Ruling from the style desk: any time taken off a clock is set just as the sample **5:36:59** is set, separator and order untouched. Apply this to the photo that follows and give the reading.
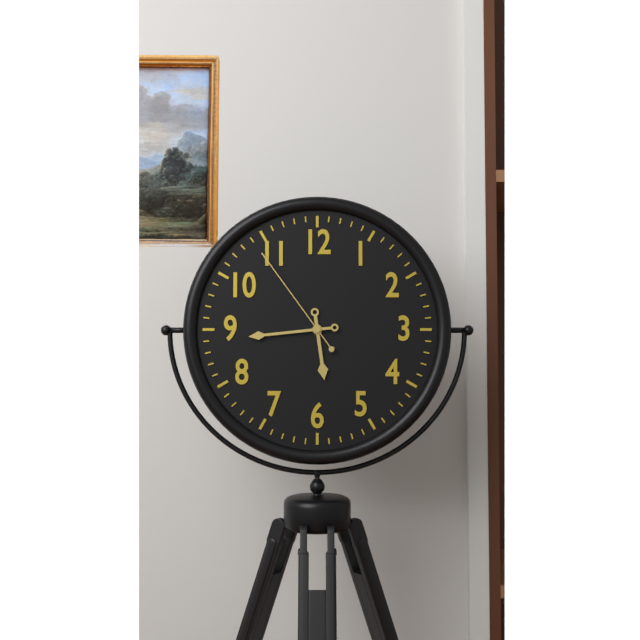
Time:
**5:44:54**
